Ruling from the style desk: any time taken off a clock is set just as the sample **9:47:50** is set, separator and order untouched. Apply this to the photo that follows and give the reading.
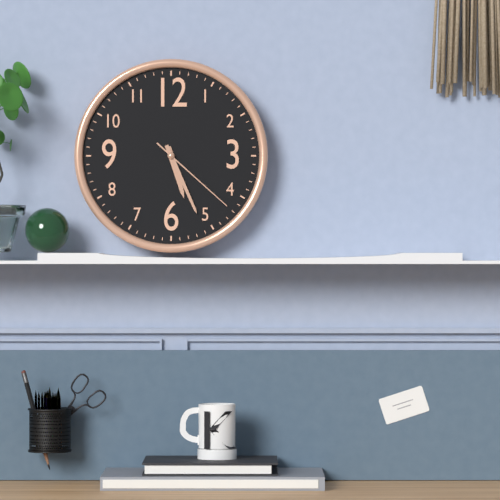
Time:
**5:26:22**
